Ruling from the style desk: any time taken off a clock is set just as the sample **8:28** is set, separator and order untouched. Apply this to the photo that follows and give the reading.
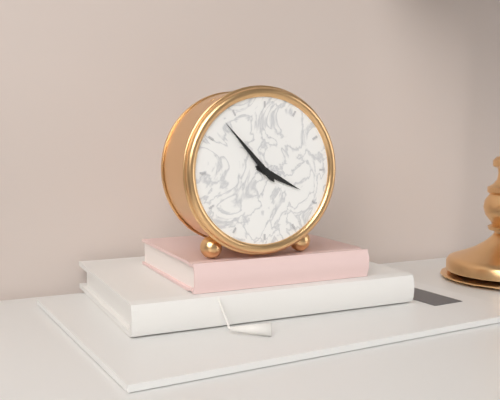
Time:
**3:53**
